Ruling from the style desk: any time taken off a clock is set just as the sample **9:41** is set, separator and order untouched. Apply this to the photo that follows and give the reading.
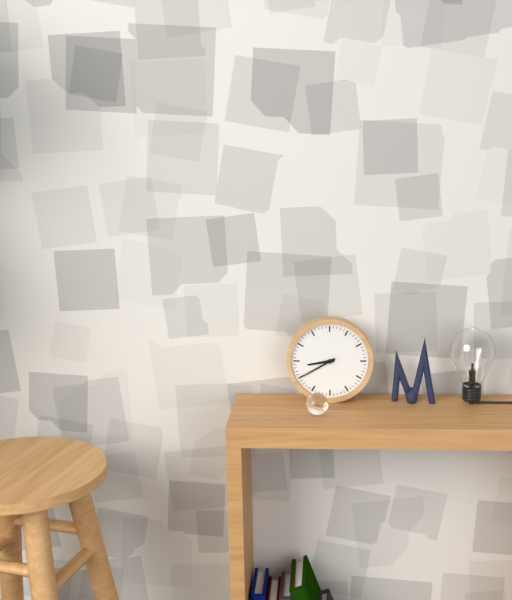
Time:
**8:40**
